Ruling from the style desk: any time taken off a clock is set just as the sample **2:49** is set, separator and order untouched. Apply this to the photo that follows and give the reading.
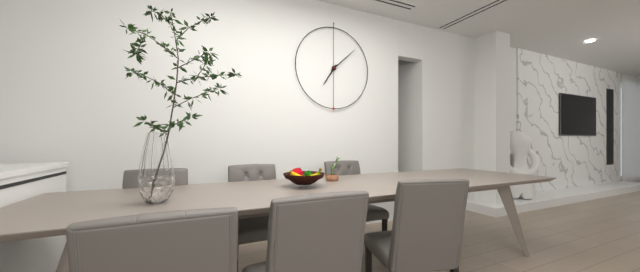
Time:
**7:08**
